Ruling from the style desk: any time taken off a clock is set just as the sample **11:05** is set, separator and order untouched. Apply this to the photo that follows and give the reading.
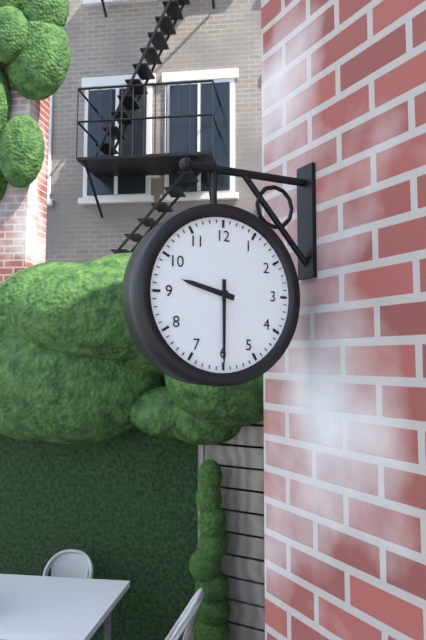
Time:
**9:30**
